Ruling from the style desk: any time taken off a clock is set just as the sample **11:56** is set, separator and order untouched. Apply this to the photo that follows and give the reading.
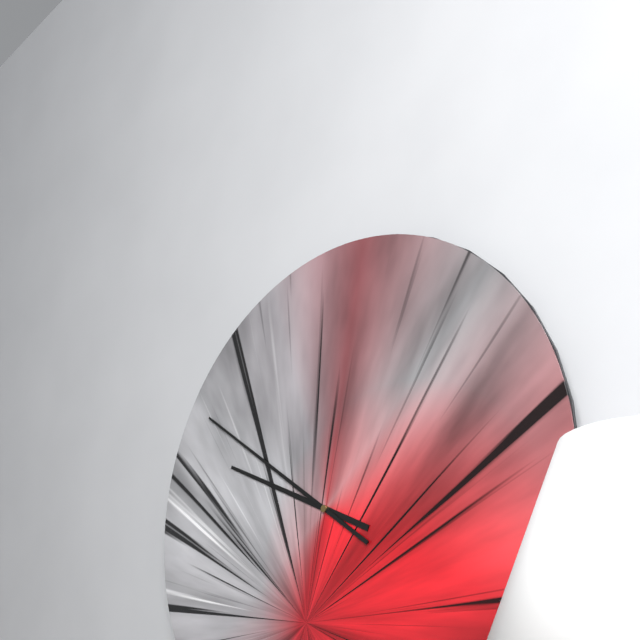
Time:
**9:51**
